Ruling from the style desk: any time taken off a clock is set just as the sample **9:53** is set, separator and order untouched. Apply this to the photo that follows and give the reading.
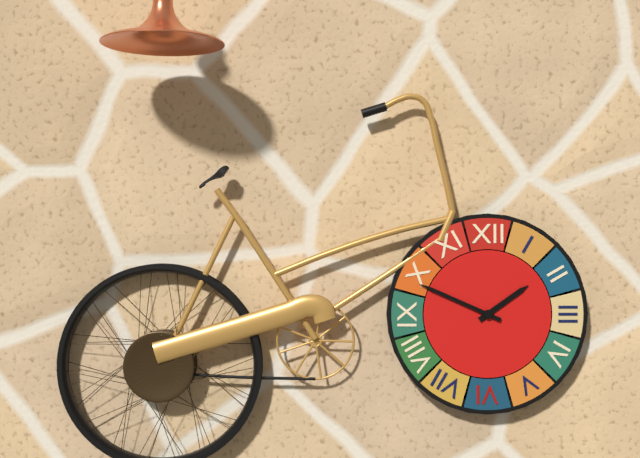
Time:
**1:49**
